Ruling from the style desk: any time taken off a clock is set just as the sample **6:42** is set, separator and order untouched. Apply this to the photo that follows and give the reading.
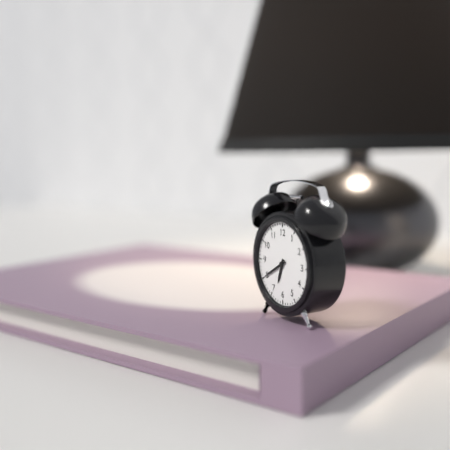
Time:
**6:40**
